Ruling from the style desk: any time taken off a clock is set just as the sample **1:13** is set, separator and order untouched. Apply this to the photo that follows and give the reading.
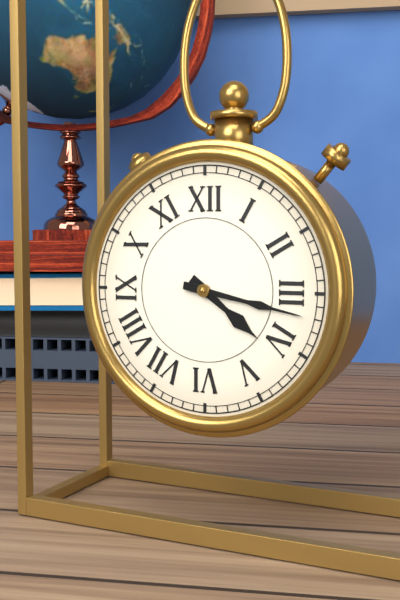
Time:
**4:17**
